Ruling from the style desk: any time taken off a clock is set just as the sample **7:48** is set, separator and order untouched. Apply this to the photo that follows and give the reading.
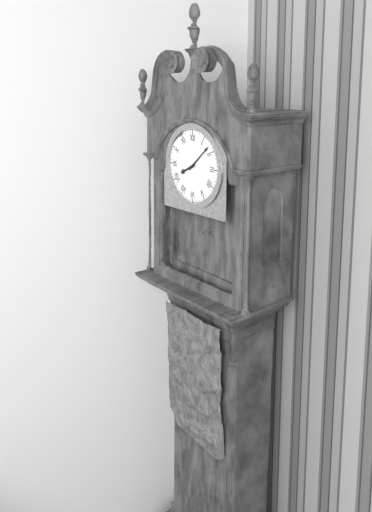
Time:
**8:08**
